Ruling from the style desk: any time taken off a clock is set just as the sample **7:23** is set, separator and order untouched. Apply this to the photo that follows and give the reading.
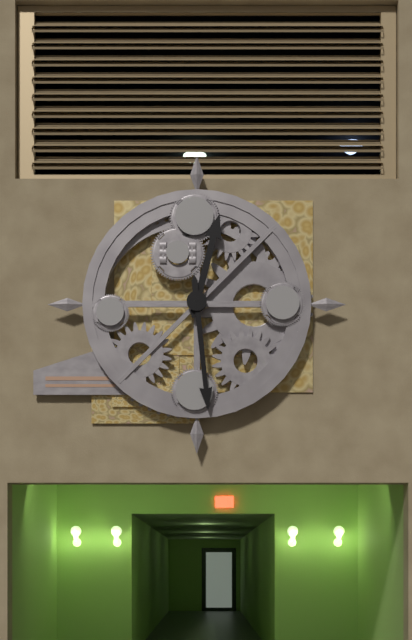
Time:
**12:29**
